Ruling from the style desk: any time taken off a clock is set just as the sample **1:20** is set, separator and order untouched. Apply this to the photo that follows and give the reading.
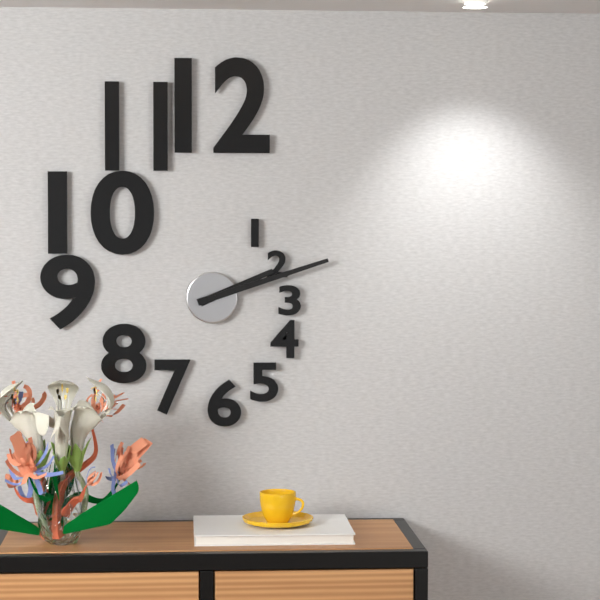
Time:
**2:12**
